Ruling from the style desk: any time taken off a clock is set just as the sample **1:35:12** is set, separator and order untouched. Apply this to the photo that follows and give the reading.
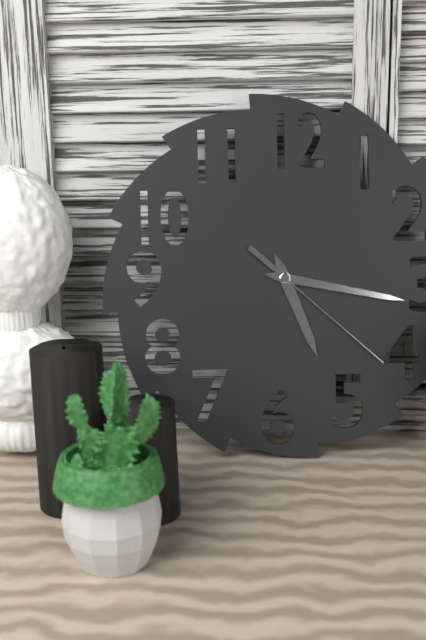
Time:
**5:17:22**
